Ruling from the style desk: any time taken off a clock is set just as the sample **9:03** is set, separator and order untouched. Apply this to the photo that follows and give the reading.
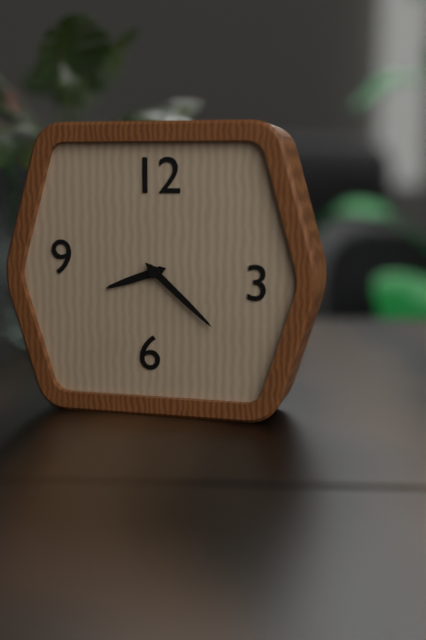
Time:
**8:22**
